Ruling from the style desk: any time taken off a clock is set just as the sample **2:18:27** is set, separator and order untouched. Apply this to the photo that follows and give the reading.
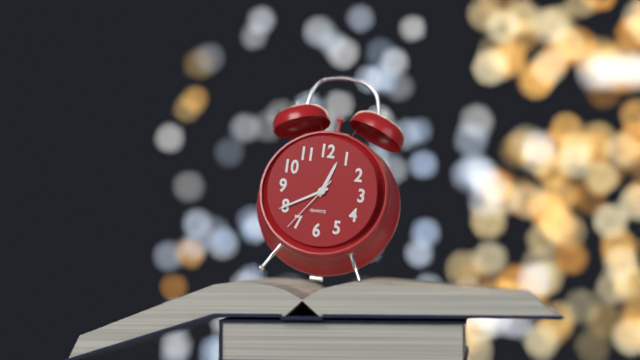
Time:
**12:40:36**
